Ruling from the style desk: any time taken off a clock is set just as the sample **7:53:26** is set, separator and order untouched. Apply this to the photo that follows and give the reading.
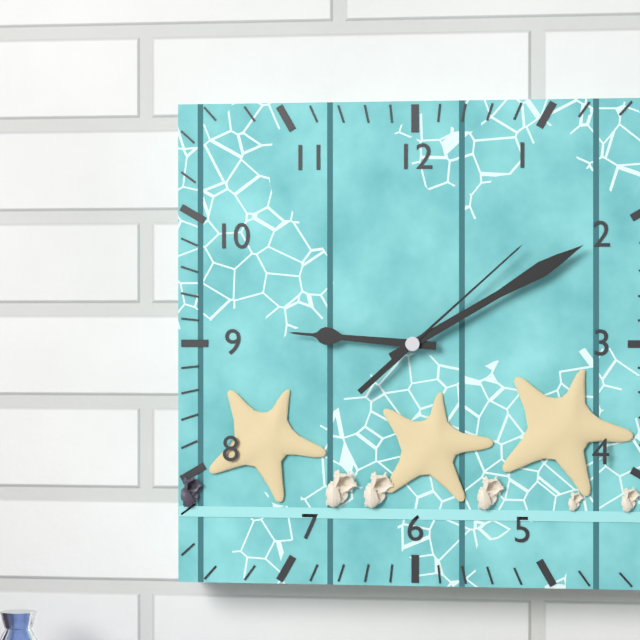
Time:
**9:10:08**
